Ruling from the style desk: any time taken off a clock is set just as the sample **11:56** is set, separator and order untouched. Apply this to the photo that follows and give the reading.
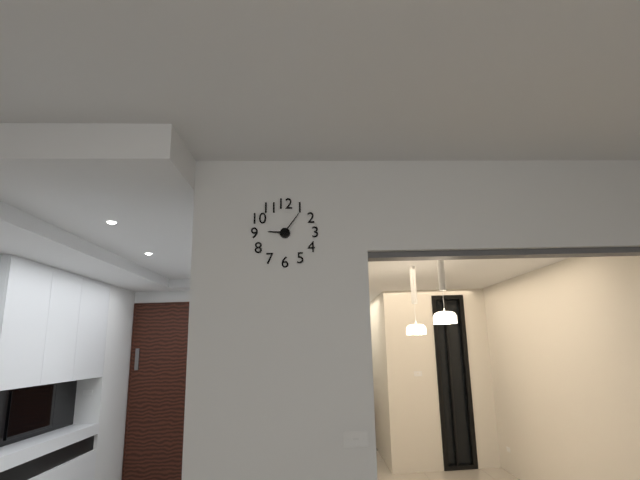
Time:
**9:06**
